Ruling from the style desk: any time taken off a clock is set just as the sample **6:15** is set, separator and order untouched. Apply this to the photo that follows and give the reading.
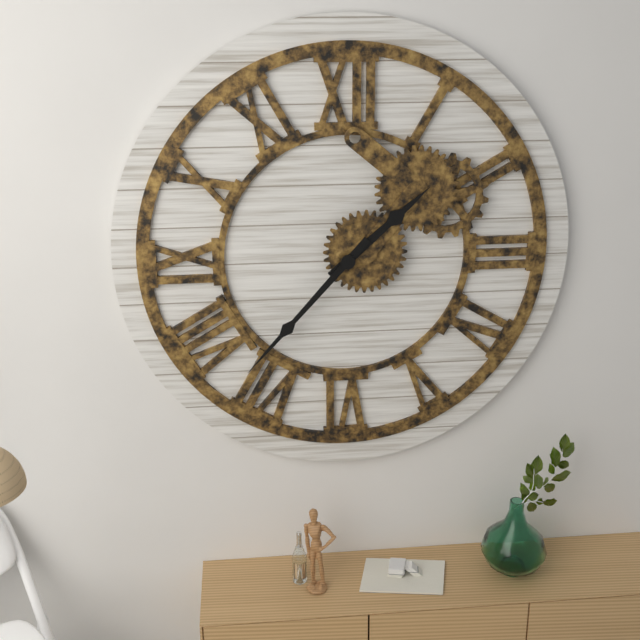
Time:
**1:37**
